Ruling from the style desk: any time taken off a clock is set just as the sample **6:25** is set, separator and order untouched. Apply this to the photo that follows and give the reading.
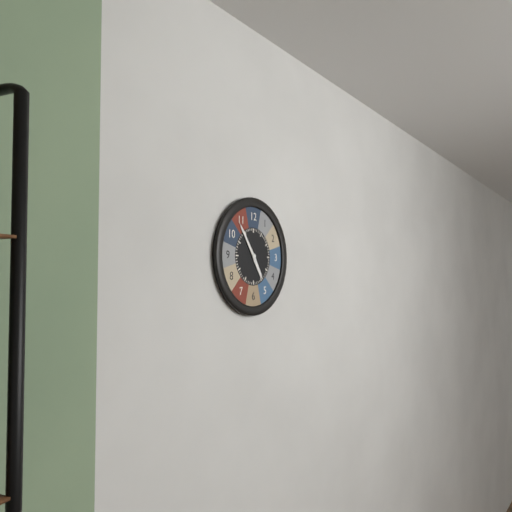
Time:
**4:54**
